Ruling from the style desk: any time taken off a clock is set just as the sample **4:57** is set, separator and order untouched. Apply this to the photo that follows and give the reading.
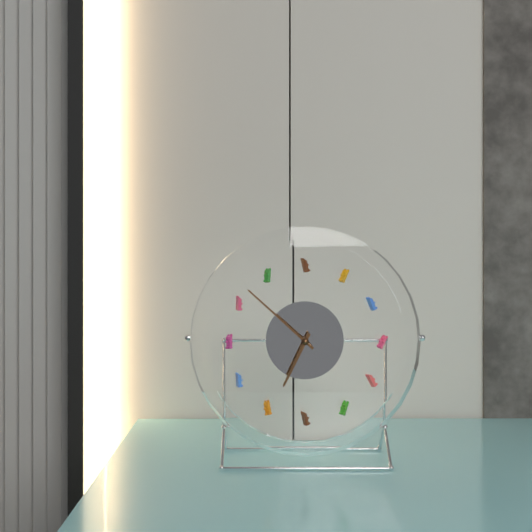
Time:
**6:52**
